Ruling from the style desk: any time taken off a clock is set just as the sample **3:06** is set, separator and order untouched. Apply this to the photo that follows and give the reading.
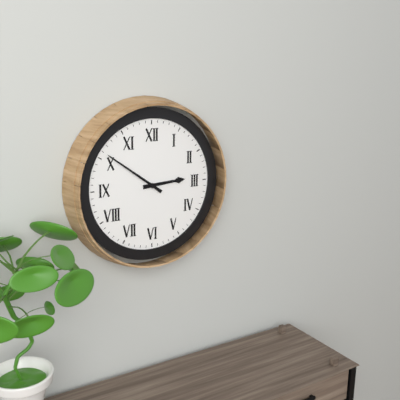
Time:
**2:51**
